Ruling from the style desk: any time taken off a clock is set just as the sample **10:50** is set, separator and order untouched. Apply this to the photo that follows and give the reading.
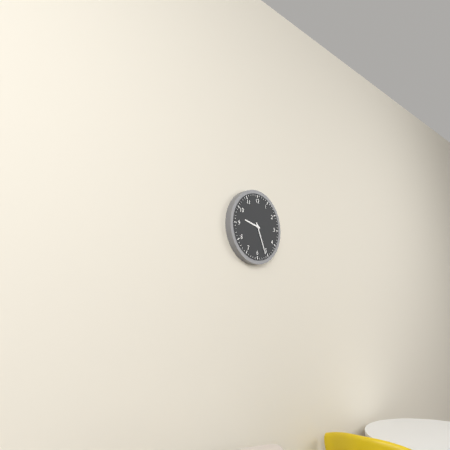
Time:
**9:26**
